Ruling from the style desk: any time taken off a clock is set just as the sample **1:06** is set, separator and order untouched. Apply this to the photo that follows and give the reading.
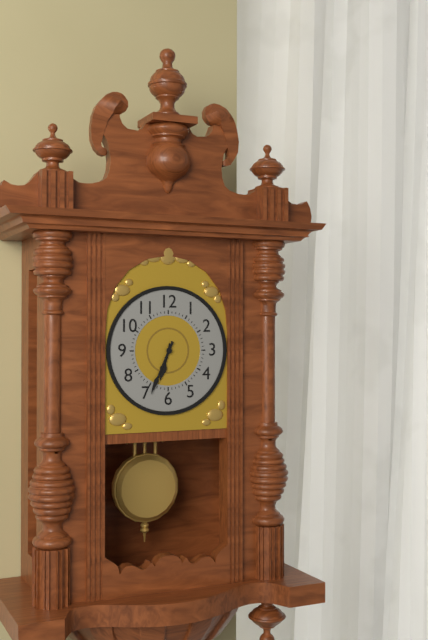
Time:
**6:34**
